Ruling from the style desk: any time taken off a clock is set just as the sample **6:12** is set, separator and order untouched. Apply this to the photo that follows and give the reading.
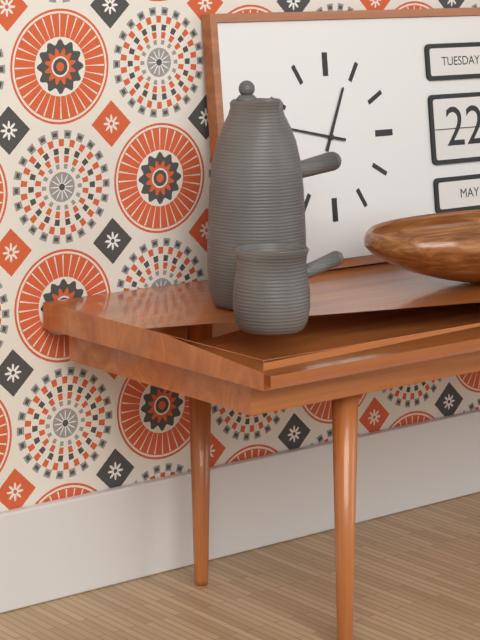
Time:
**12:47**
